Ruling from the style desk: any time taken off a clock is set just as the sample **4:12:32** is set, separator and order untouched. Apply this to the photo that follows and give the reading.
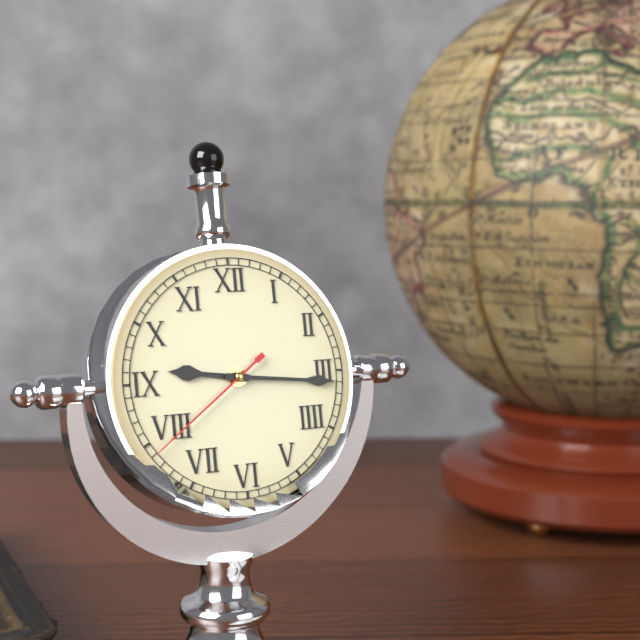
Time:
**9:16:39**
